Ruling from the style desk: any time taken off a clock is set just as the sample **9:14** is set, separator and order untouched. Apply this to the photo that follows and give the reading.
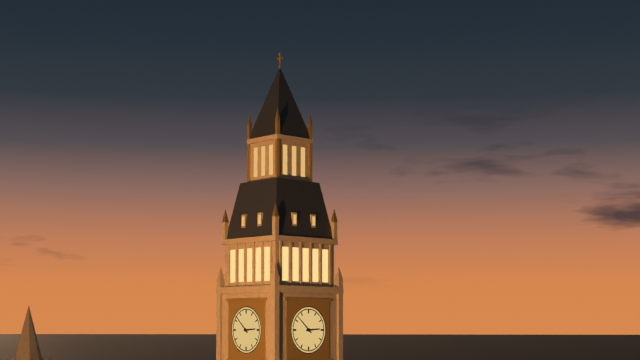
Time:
**2:52**
